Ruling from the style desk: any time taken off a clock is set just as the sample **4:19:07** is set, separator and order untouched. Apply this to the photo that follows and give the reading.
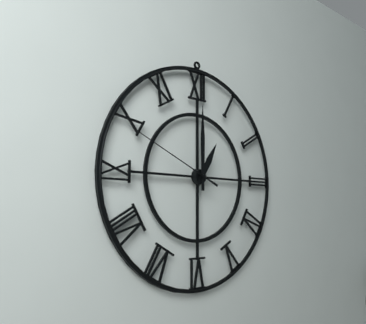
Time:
**1:00:49**
